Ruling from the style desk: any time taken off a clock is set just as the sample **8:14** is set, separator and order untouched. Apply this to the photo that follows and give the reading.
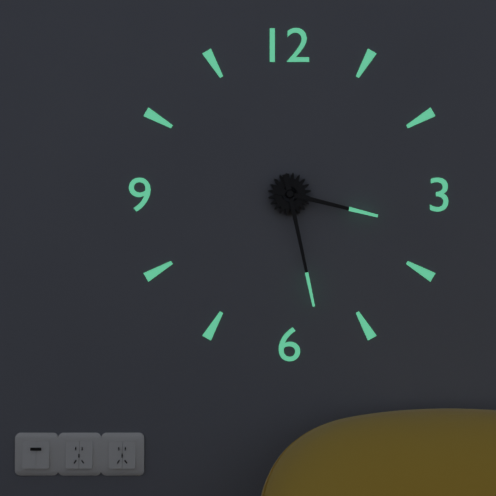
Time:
**3:28**
